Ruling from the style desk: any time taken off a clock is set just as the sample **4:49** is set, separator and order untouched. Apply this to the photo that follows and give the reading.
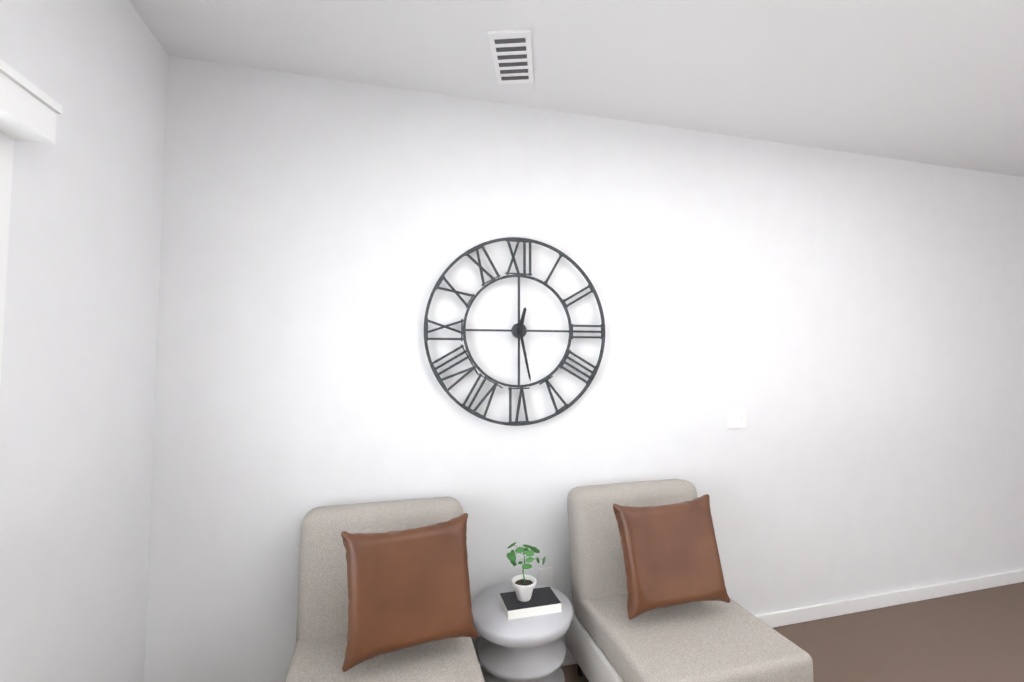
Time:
**12:28**
